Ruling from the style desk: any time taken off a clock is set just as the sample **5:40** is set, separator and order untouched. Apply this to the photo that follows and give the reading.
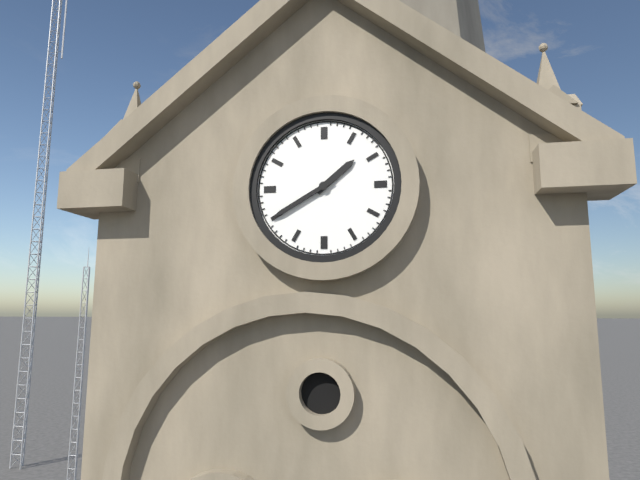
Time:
**1:40**
